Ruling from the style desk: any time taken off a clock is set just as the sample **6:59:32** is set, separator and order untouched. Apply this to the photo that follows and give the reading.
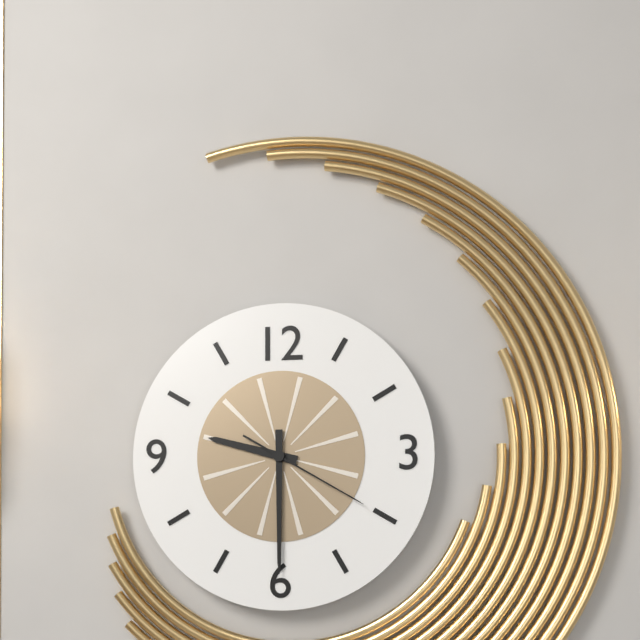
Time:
**9:30:20**
